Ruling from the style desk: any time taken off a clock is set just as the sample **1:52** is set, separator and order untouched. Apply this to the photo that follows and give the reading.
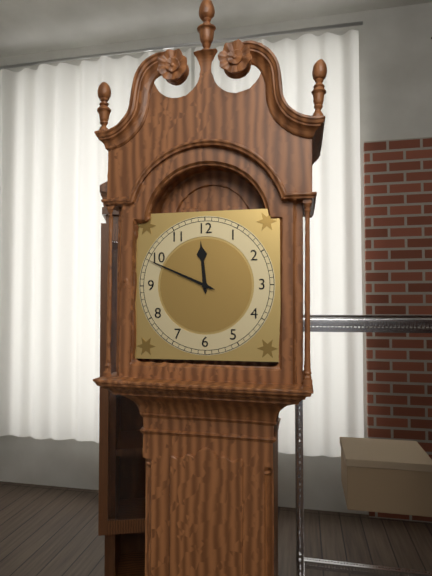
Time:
**11:49**
